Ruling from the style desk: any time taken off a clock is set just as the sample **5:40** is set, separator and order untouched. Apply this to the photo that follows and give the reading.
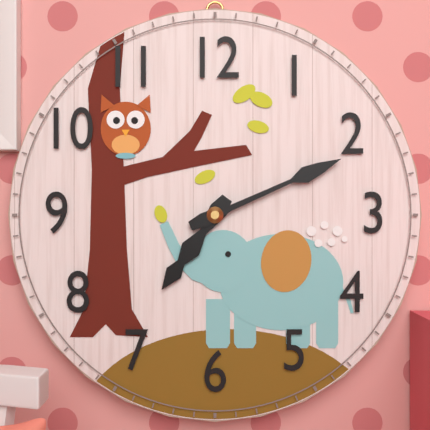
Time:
**7:11**
